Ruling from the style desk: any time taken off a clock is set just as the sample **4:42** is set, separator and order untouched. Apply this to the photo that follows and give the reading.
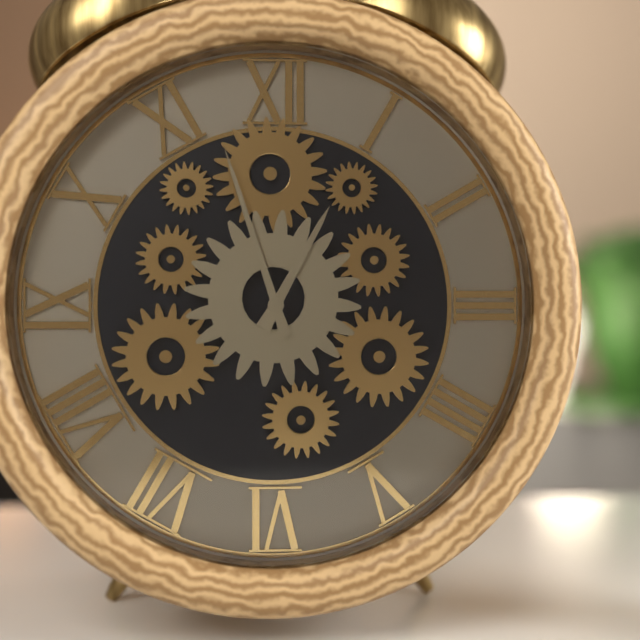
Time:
**12:57**
